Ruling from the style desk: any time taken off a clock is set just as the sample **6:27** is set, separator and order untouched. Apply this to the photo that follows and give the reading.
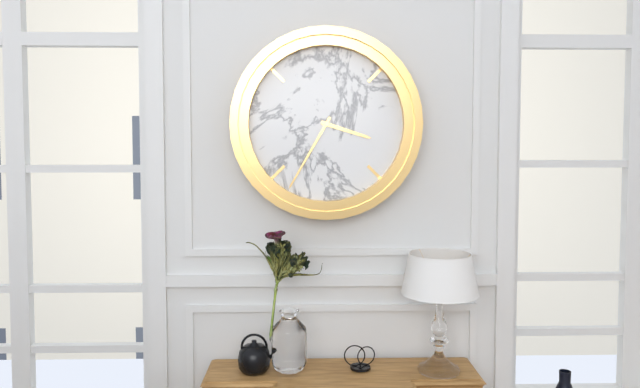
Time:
**3:35**
